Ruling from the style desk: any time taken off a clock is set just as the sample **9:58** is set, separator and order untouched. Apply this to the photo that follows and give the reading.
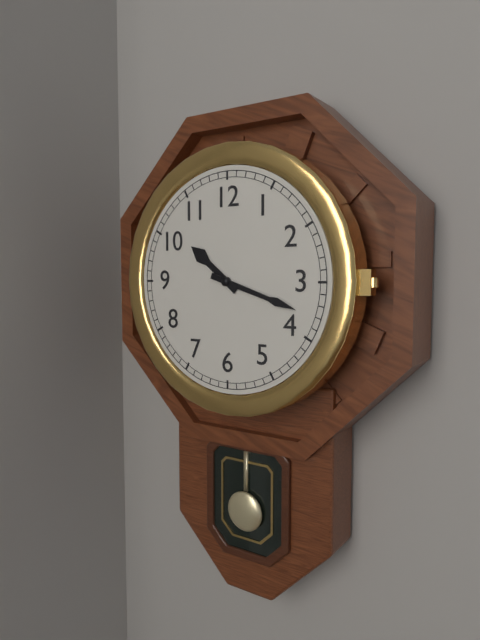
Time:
**10:18**
